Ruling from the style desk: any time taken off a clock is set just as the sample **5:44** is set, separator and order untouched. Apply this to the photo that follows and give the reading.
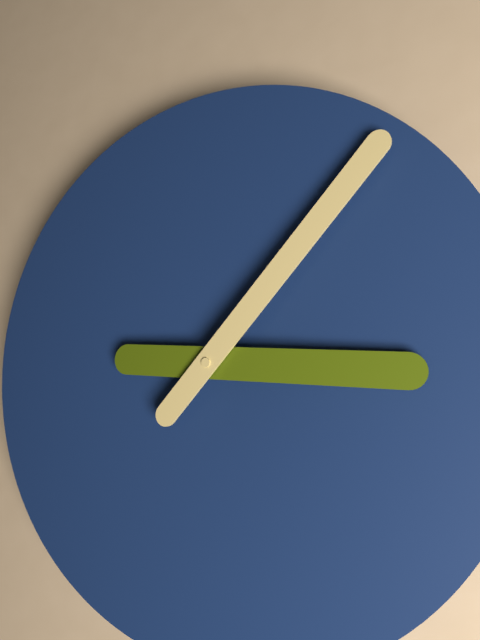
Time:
**3:07**
